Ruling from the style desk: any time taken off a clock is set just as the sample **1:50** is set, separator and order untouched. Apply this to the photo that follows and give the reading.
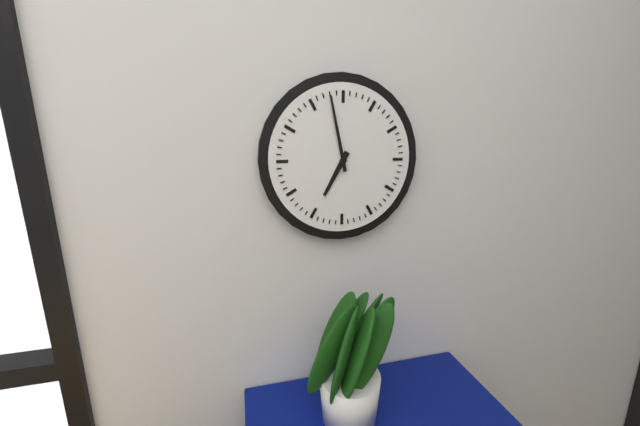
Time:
**6:58**
